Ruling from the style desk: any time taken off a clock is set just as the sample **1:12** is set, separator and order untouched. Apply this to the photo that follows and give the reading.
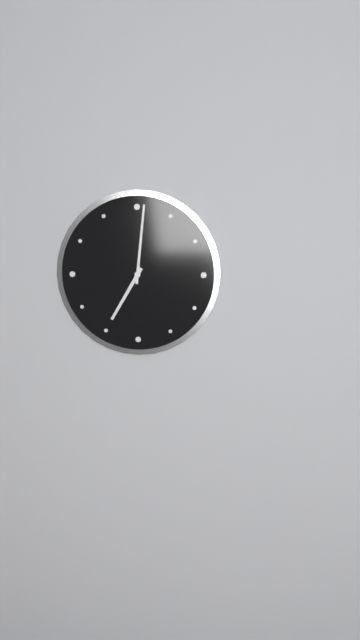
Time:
**7:01**
